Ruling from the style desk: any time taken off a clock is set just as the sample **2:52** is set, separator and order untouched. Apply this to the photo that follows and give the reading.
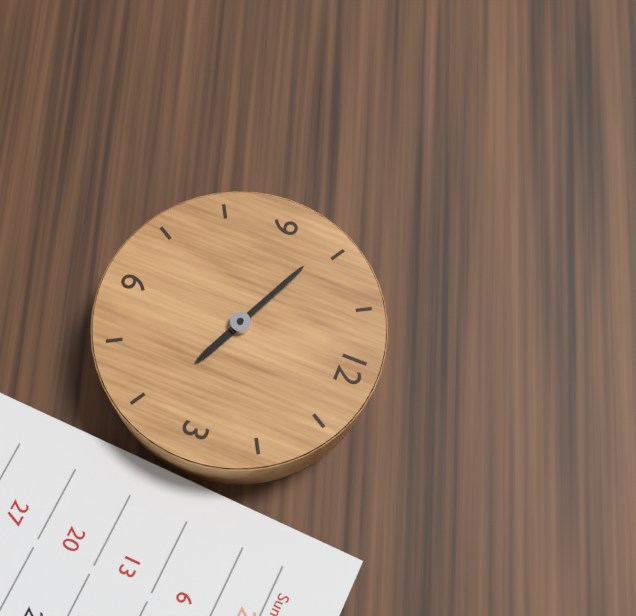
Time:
**3:49**
